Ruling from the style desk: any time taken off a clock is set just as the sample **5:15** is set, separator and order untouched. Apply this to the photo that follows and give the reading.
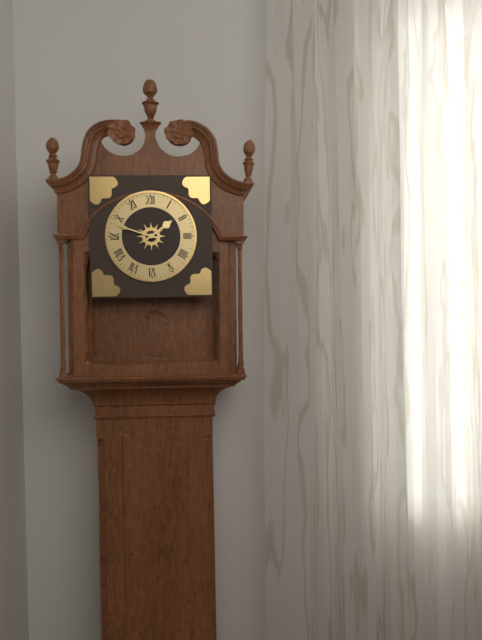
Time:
**1:48**
